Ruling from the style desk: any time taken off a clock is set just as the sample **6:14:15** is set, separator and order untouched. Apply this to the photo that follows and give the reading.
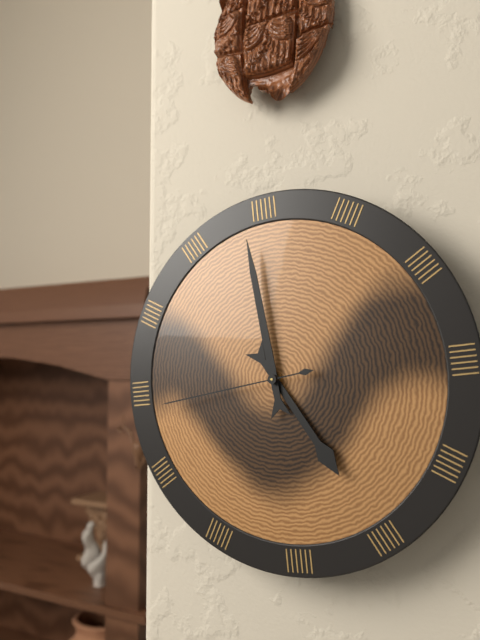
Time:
**4:59:44**
